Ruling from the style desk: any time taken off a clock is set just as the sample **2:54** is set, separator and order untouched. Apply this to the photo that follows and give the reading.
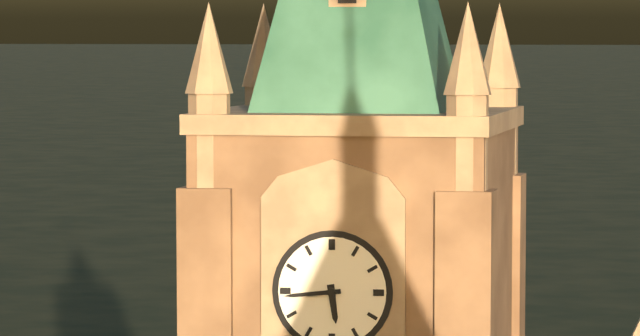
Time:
**5:44**
